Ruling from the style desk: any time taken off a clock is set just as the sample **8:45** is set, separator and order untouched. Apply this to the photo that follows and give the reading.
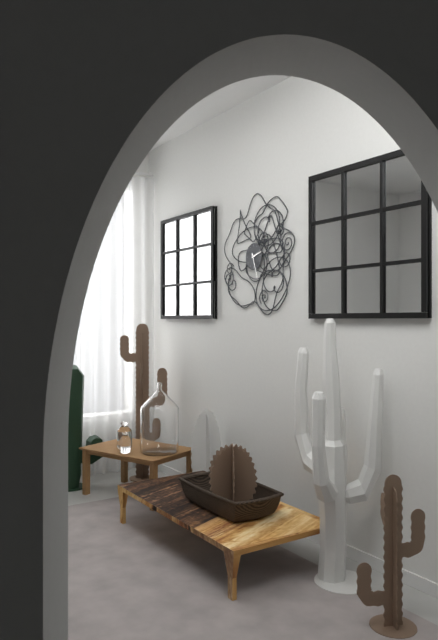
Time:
**2:27**
